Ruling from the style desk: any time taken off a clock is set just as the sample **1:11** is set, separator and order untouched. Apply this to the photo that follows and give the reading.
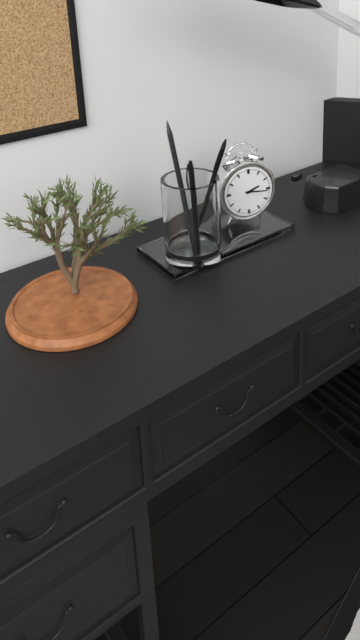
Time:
**2:16**
